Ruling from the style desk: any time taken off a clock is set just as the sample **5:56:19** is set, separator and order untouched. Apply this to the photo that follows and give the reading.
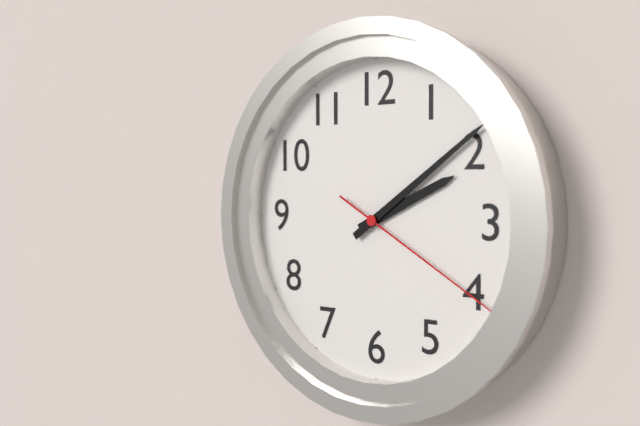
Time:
**2:09:20**
